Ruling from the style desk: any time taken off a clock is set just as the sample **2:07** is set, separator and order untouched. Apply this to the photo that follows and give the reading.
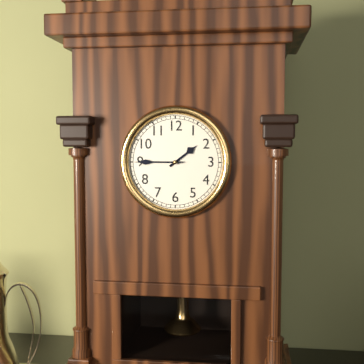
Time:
**1:45**
